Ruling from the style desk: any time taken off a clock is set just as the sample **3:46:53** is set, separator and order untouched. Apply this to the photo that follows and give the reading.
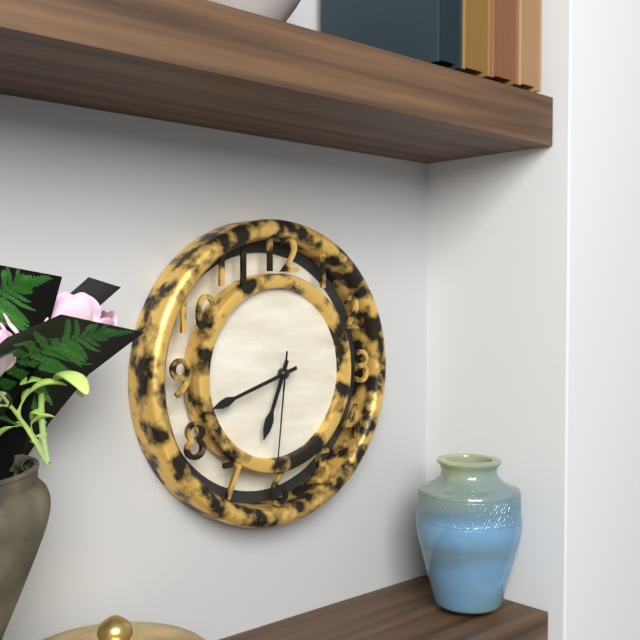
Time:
**6:42:31**
